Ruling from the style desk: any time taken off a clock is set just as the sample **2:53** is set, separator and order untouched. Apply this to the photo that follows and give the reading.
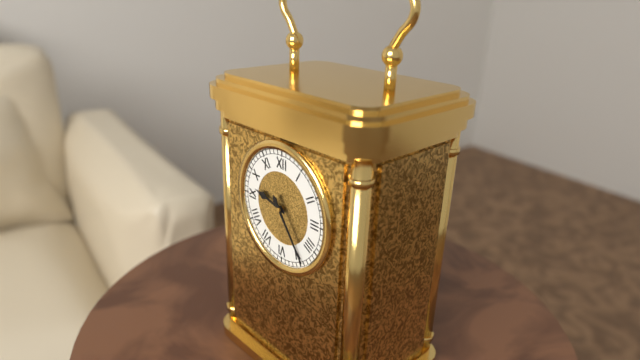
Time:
**9:24**
